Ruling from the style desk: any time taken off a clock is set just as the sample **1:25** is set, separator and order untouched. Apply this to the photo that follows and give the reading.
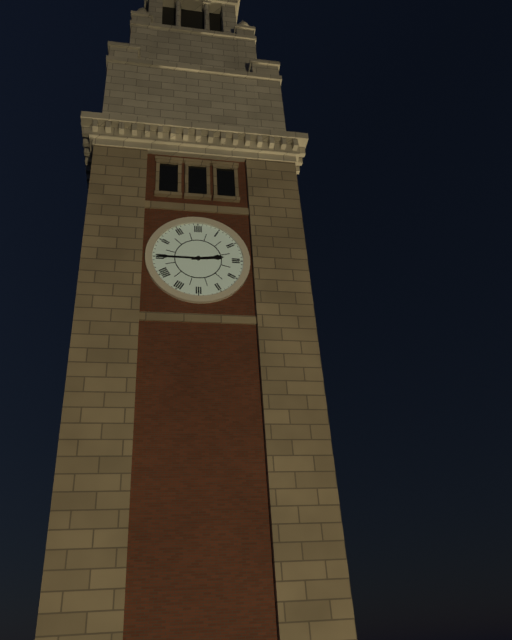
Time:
**2:45**
